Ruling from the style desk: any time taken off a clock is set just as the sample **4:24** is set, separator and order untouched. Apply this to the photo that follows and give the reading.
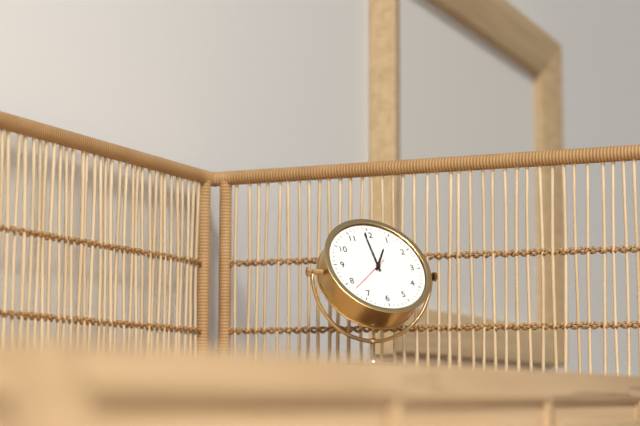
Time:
**12:59**
